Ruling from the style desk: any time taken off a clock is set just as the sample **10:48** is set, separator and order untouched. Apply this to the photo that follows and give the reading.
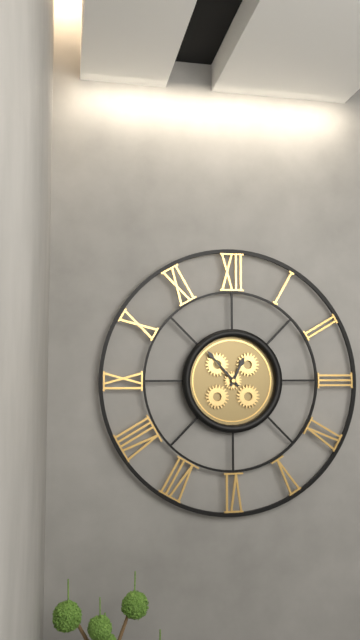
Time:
**12:53**
